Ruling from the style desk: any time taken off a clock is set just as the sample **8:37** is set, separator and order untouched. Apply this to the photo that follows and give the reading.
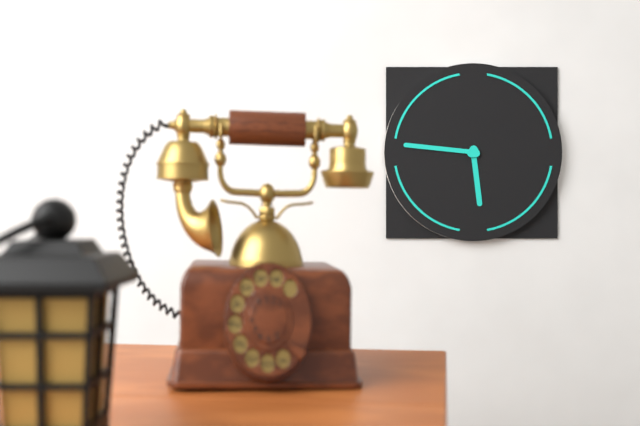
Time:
**5:46**
